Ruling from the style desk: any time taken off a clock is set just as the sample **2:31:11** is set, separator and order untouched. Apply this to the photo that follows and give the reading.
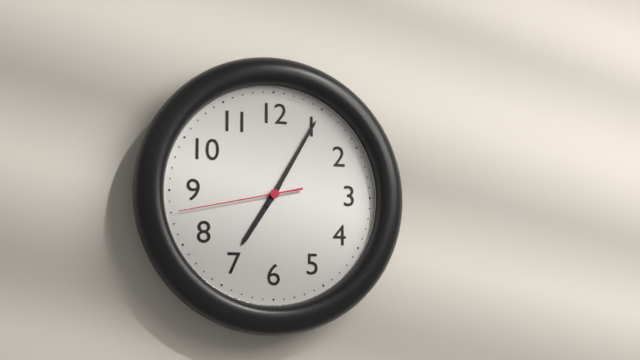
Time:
**7:05:43**
